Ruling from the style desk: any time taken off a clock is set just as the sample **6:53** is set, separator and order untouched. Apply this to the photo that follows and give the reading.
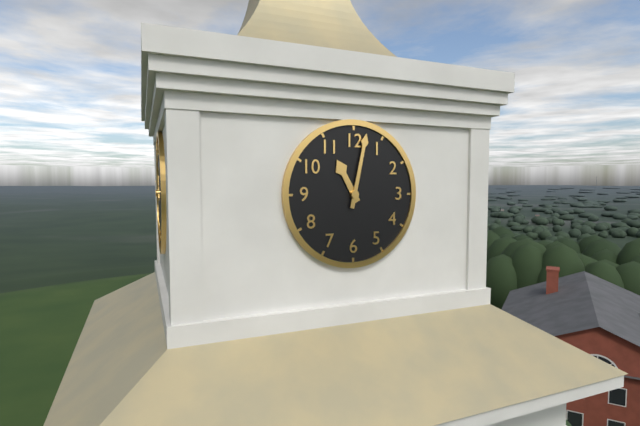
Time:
**11:02**
